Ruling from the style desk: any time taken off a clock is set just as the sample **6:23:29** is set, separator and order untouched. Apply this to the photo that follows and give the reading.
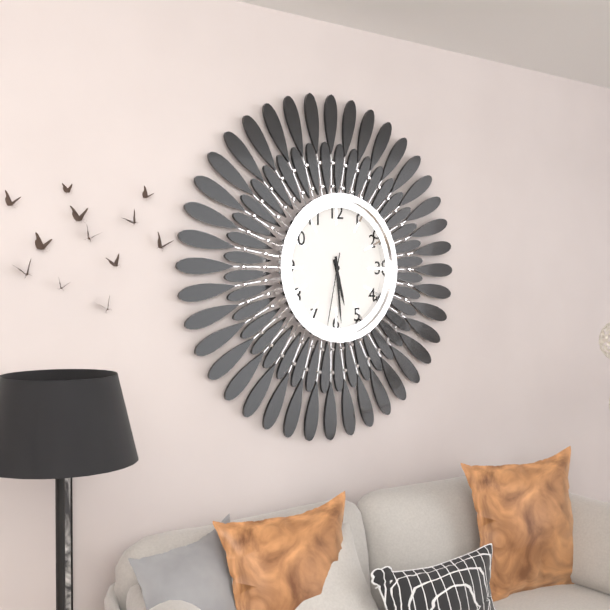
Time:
**5:29:32**
